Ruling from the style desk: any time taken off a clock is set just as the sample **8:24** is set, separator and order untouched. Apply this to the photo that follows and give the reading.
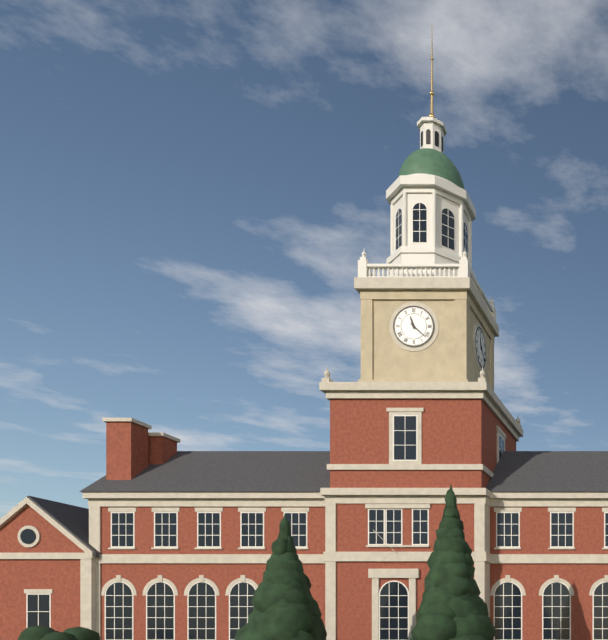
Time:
**11:22**
